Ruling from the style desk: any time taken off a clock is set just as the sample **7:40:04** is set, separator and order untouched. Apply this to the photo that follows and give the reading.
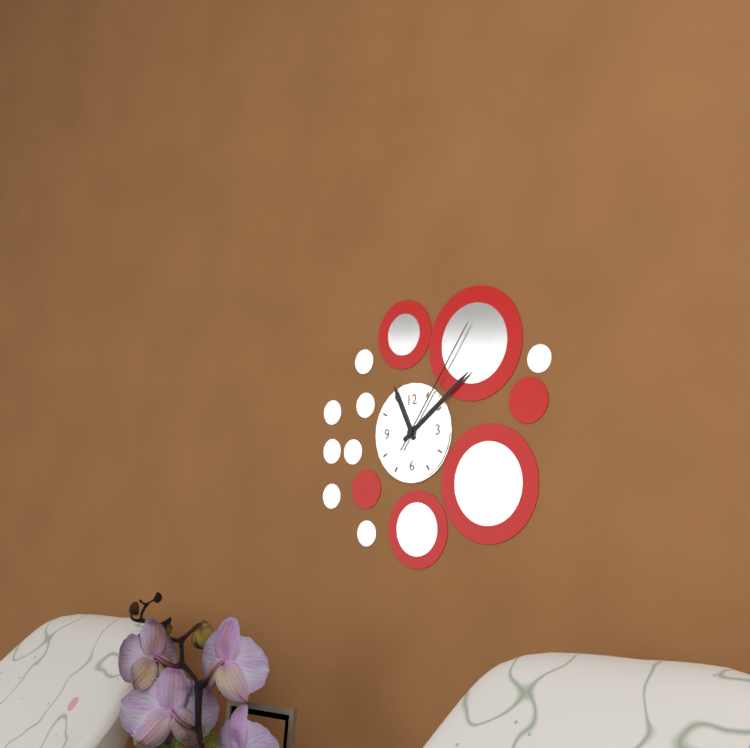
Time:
**11:09:06**
